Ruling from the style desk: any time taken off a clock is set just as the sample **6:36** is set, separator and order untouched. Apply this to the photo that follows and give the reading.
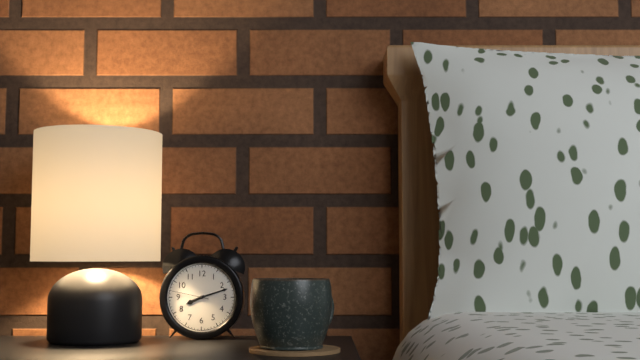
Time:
**8:12**
